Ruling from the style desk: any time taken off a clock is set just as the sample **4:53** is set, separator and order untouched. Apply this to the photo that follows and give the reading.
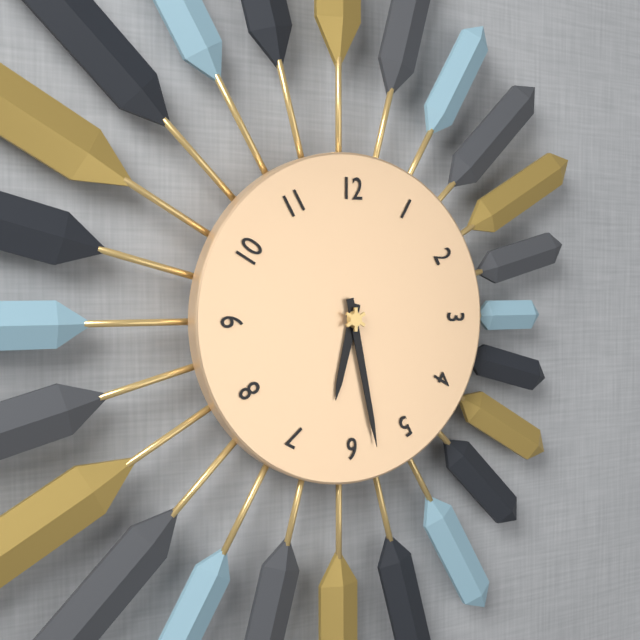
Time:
**6:28**
